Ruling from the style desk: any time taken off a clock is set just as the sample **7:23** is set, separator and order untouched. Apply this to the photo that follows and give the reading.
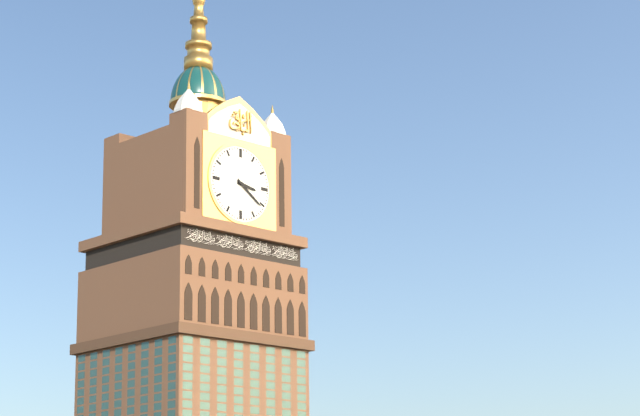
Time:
**3:21**
